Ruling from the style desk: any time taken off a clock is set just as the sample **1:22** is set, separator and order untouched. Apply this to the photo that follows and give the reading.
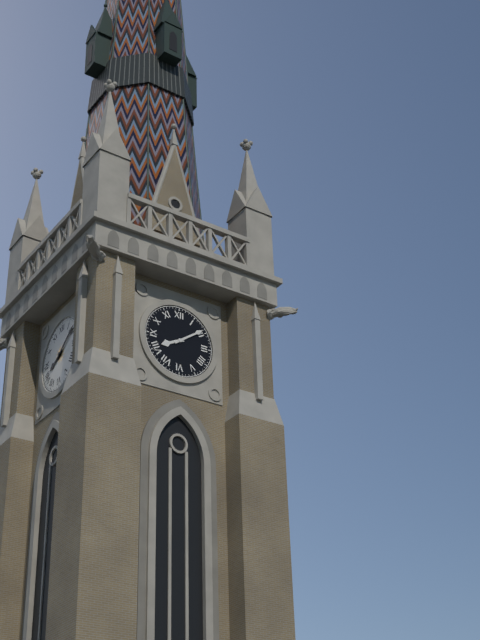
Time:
**8:09**
